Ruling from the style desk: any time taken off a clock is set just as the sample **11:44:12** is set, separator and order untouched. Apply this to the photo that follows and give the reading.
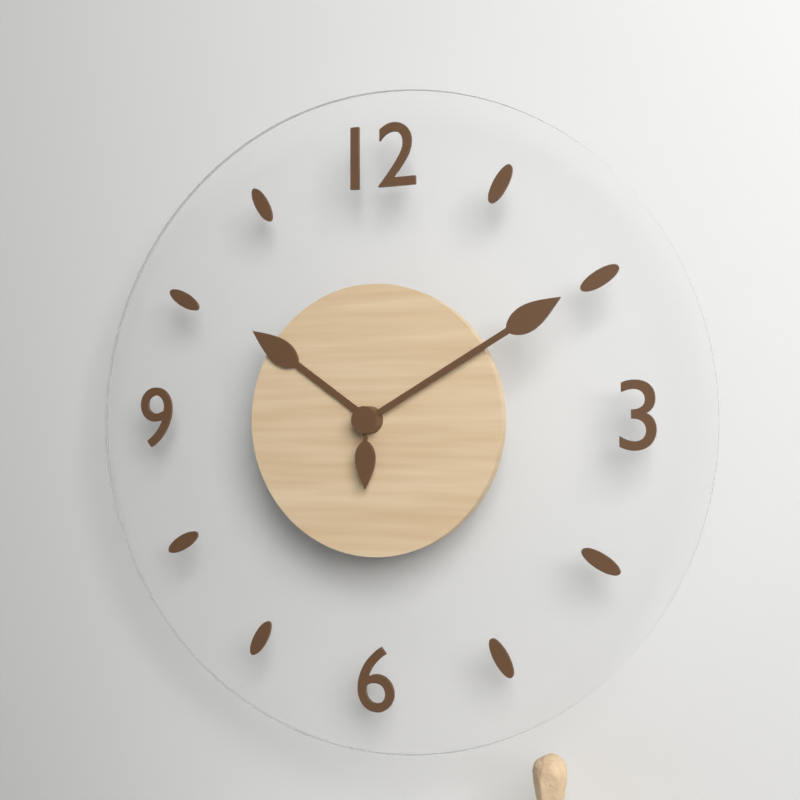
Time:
**10:10:30**
